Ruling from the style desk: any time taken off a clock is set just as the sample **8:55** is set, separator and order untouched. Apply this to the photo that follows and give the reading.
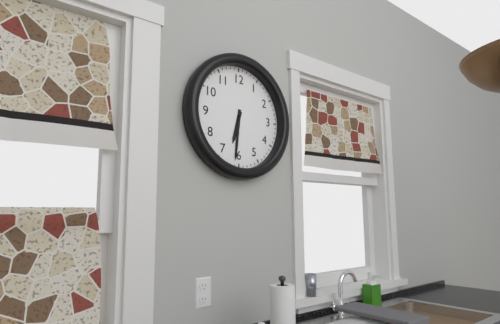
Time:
**6:31**
